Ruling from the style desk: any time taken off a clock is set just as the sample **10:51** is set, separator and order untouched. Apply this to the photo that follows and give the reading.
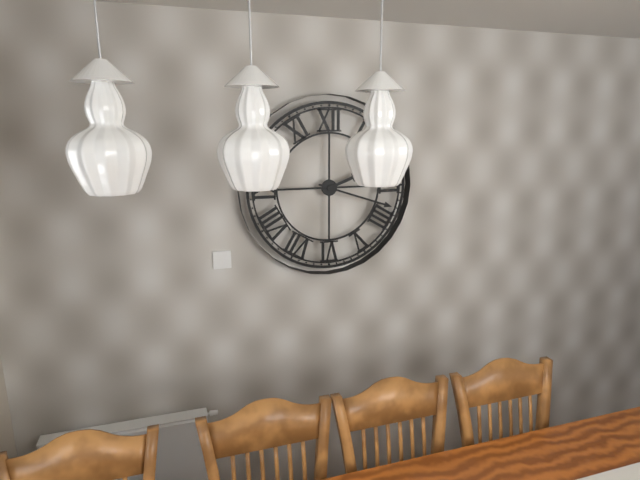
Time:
**2:18**
